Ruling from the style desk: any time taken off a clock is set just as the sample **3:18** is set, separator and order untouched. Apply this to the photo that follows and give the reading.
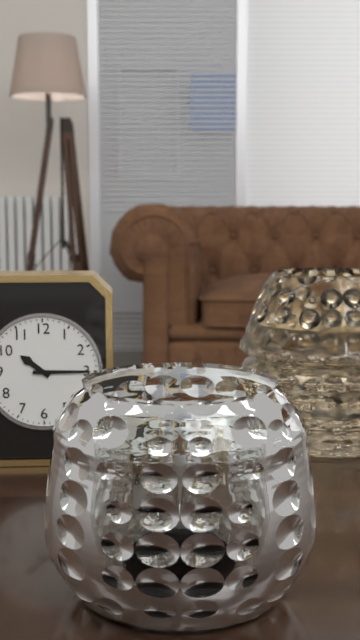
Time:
**10:15**
